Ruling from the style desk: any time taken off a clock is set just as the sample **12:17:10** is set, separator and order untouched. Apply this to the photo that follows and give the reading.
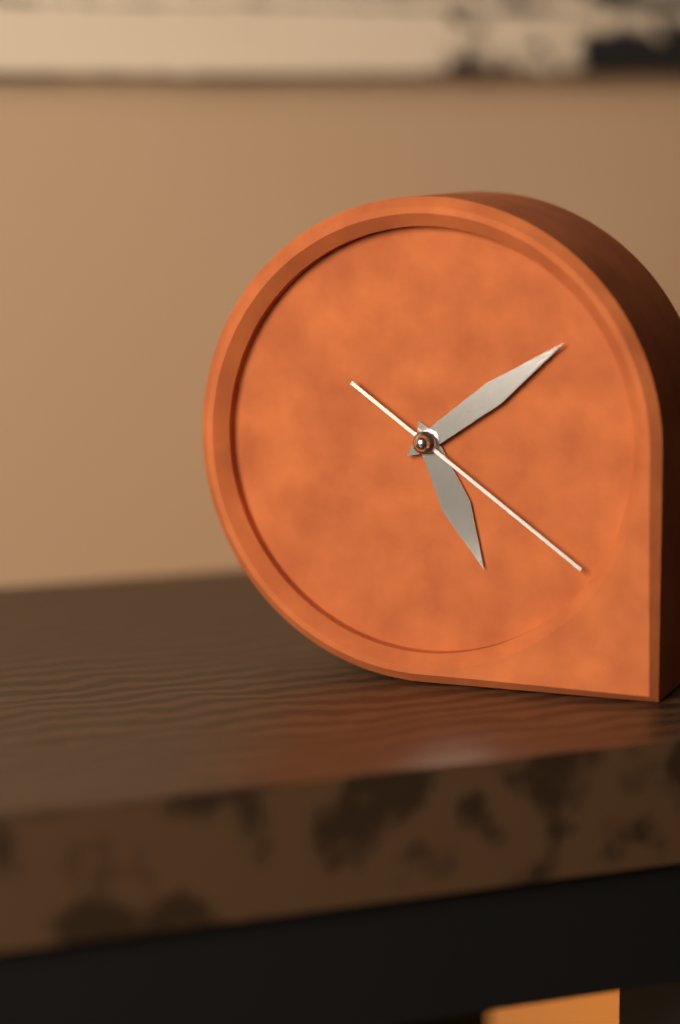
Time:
**5:09:21**
